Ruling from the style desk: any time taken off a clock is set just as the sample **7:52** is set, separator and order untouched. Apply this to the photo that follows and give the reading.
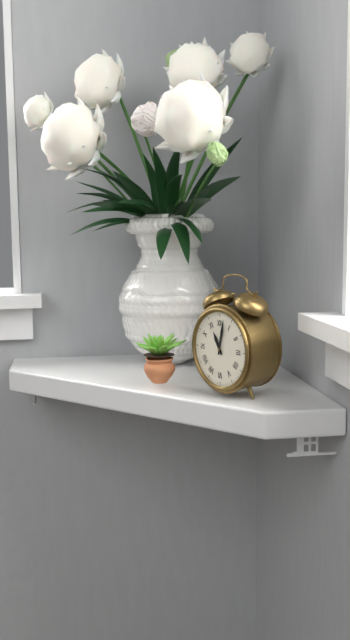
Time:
**11:02**
